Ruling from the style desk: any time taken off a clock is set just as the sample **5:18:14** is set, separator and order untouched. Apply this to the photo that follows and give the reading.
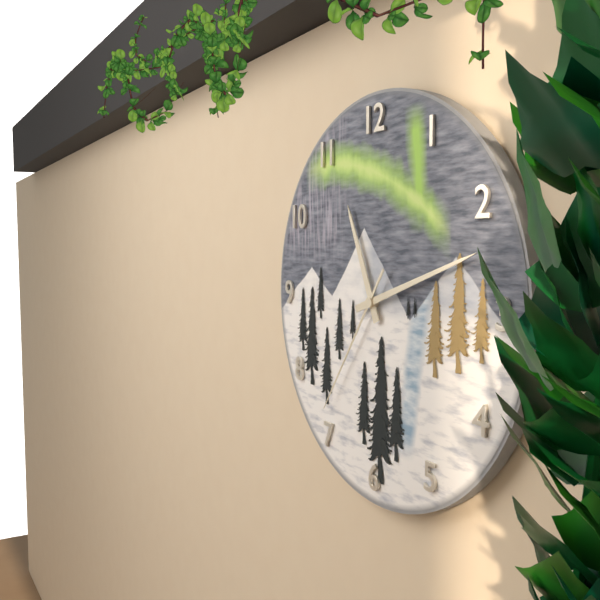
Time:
**11:12:36**
